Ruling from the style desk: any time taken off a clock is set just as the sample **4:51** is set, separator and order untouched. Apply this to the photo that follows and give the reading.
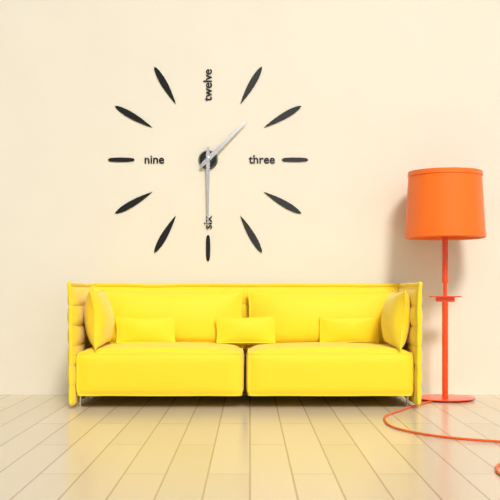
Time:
**1:30**
